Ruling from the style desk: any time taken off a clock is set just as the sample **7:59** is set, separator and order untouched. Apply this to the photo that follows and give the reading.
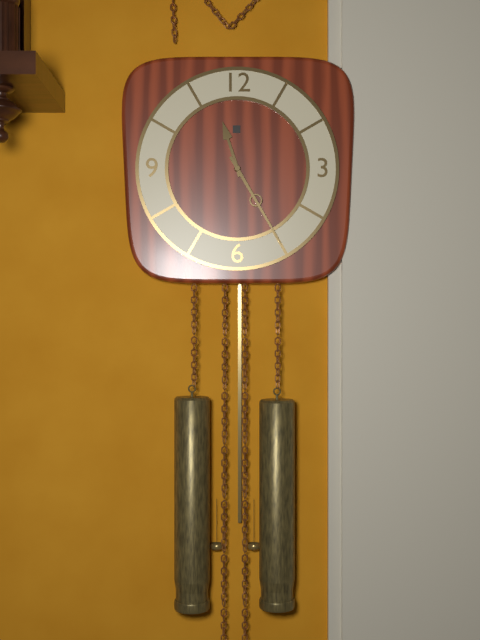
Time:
**11:25**
